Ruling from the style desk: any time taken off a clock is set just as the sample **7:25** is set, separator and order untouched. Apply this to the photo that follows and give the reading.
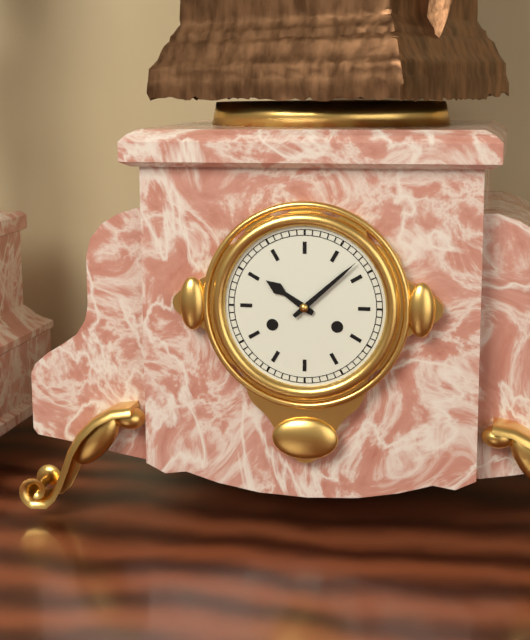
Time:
**10:08**
